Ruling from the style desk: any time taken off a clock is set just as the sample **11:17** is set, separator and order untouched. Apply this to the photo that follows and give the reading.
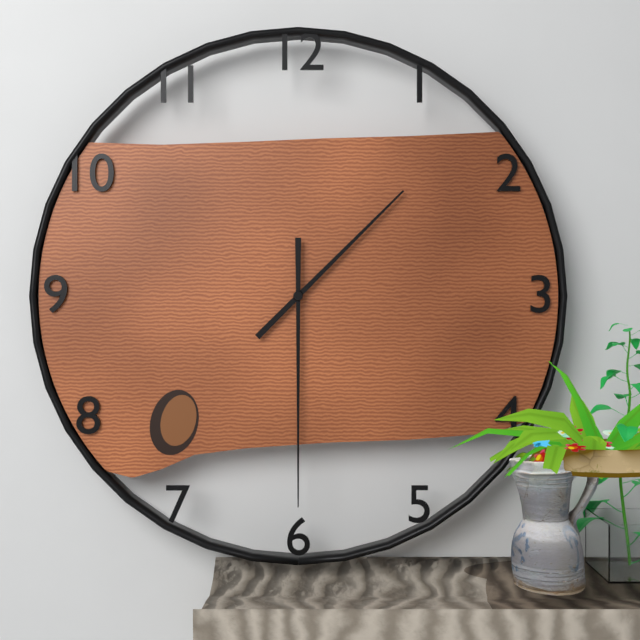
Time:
**1:30**
